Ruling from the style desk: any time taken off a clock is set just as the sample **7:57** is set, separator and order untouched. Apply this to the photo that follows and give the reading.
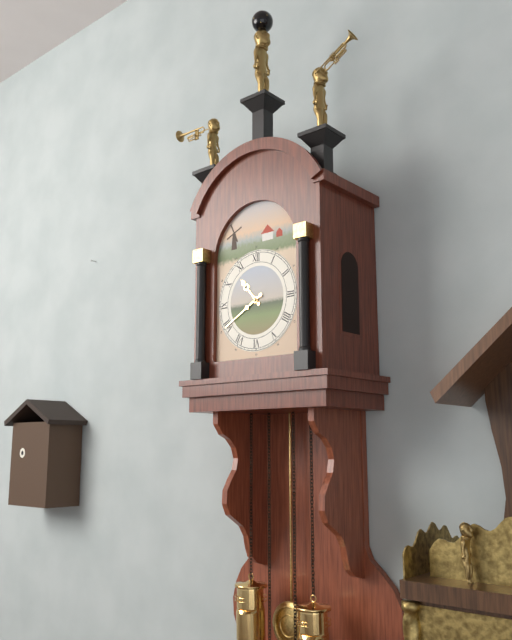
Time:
**10:40**
